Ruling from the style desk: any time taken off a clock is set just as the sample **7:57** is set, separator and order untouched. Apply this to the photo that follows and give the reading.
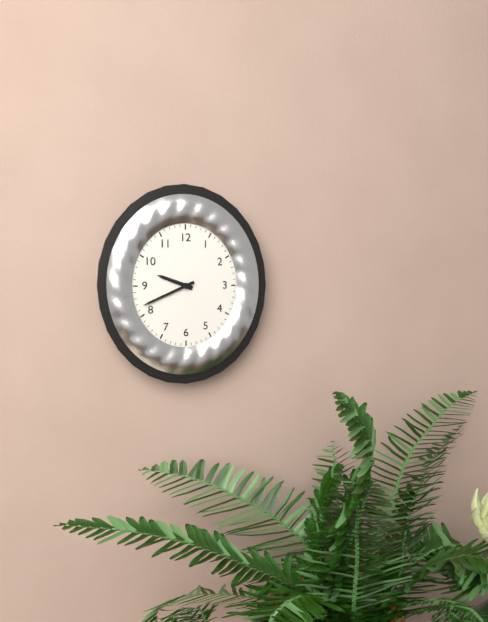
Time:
**9:41**
